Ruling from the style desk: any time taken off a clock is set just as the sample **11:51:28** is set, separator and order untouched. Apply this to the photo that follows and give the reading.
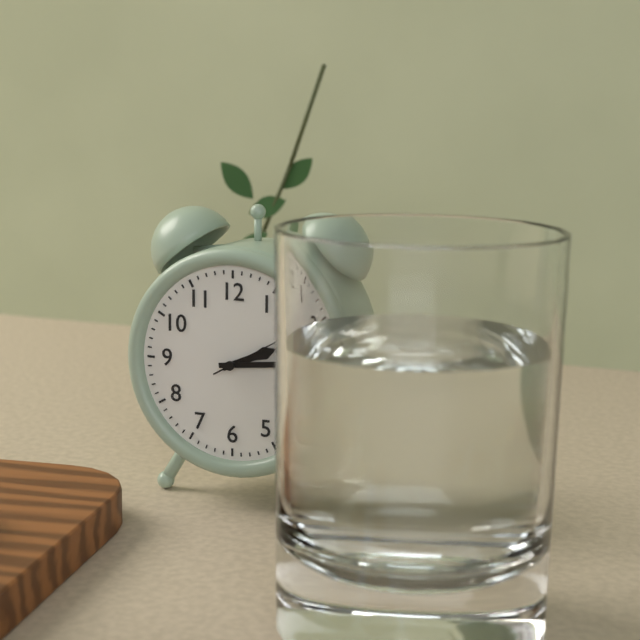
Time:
**2:14:10**
